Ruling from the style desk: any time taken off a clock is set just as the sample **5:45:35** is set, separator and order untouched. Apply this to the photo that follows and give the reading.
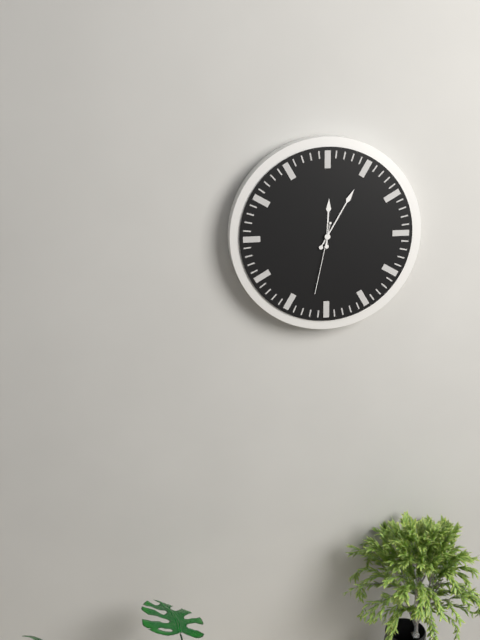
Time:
**12:05:32**
